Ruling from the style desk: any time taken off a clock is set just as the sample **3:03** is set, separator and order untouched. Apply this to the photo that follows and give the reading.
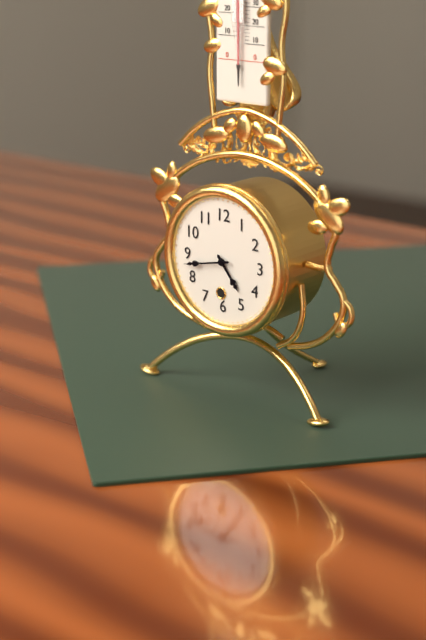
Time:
**4:43**
